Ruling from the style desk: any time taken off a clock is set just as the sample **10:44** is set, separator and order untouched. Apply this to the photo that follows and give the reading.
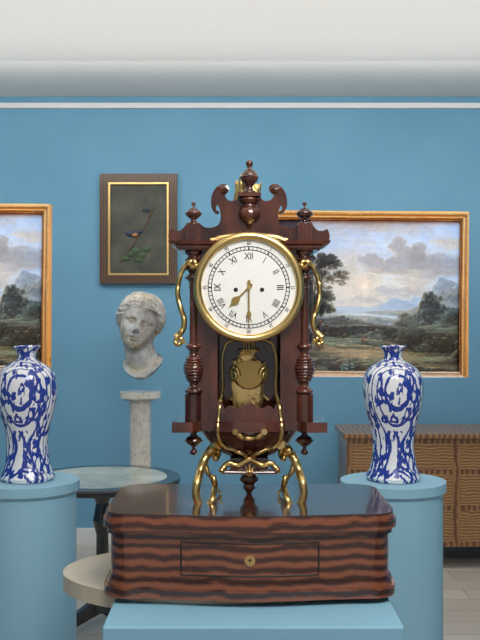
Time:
**7:30**
